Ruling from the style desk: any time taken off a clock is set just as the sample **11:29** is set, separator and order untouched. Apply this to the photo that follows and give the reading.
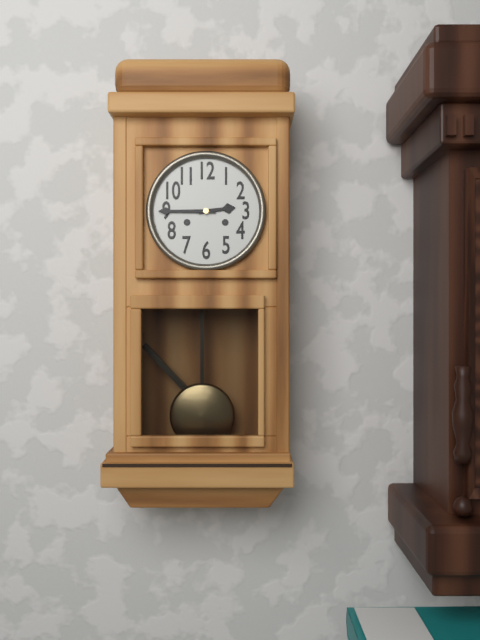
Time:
**2:45**
